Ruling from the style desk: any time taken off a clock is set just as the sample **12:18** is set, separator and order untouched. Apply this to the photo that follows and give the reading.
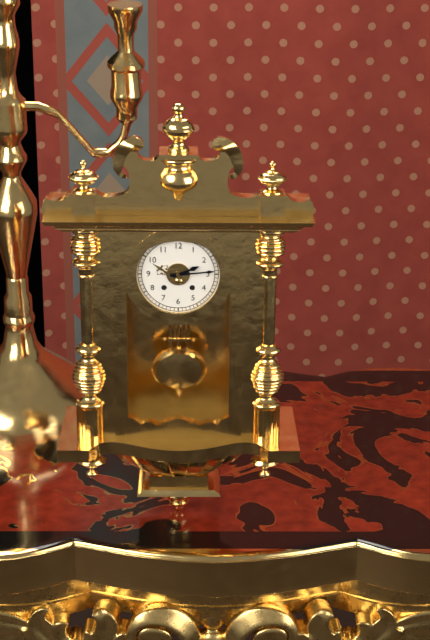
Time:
**2:14**
